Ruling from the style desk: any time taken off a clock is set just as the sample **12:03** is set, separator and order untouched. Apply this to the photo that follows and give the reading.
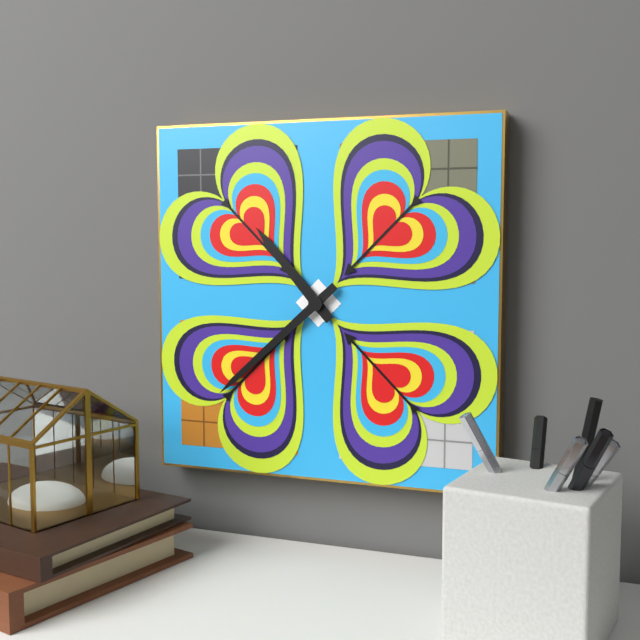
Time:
**10:38**
